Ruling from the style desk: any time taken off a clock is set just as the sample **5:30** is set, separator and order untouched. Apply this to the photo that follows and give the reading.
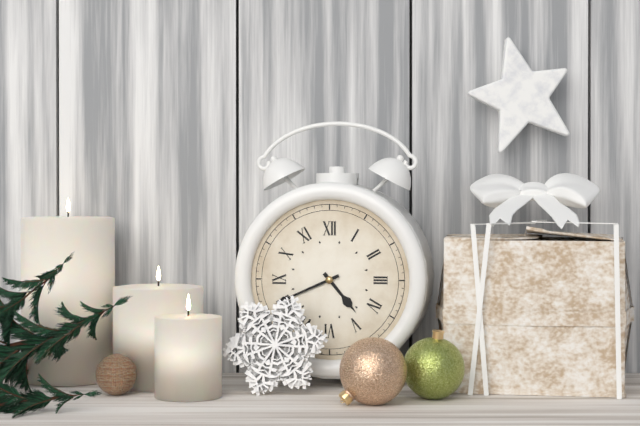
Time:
**4:41**
